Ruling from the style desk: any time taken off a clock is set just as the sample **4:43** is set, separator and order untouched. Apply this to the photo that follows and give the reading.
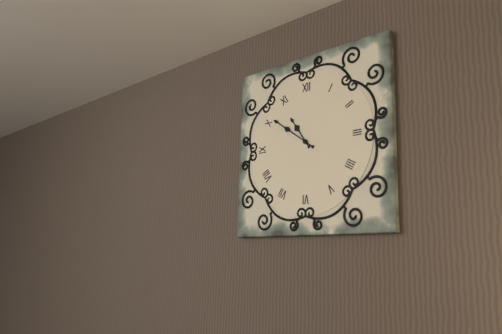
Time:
**10:51**
